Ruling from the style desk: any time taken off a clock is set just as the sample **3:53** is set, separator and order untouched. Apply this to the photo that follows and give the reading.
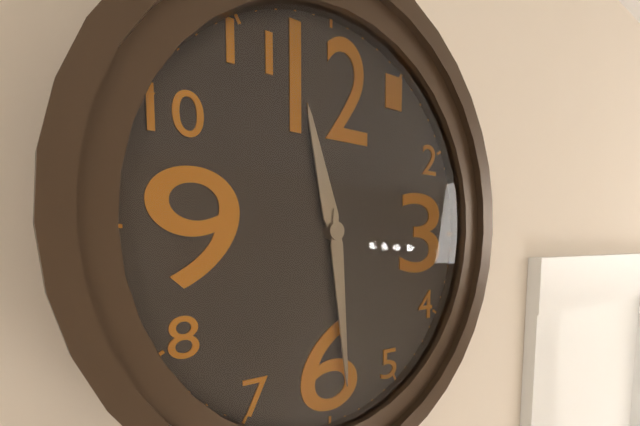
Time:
**11:29**
